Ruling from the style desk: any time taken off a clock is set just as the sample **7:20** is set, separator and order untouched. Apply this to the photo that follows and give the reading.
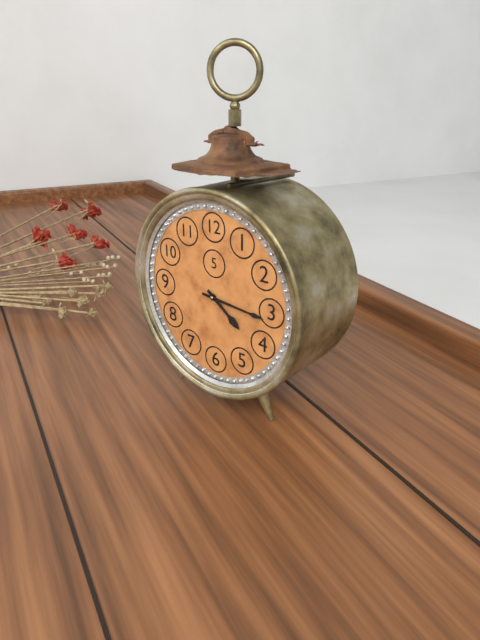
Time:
**4:16**
